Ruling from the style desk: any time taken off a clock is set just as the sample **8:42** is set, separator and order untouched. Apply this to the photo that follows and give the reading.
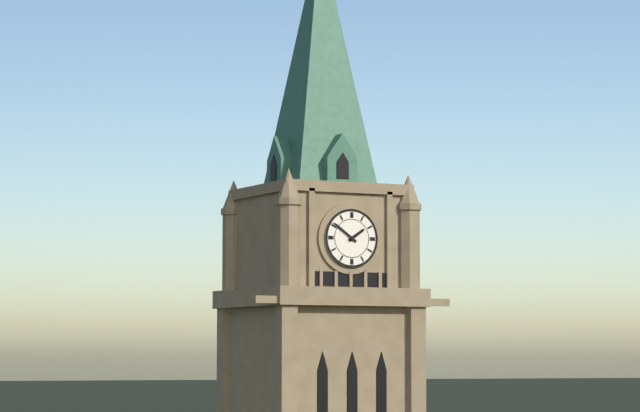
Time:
**1:51**
